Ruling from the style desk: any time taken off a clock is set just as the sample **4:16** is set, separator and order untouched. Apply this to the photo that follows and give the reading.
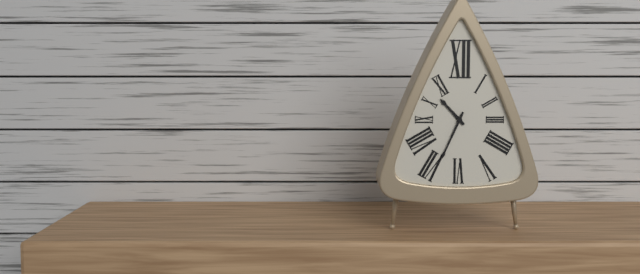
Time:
**10:34**
